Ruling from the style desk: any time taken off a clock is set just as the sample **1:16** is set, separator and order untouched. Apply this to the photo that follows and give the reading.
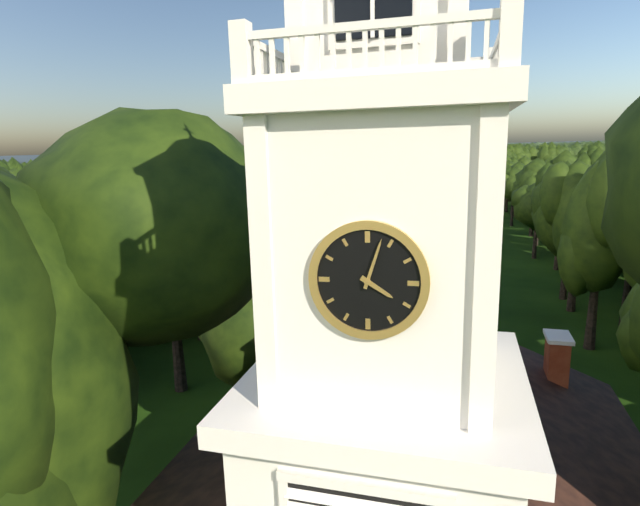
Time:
**4:03**
